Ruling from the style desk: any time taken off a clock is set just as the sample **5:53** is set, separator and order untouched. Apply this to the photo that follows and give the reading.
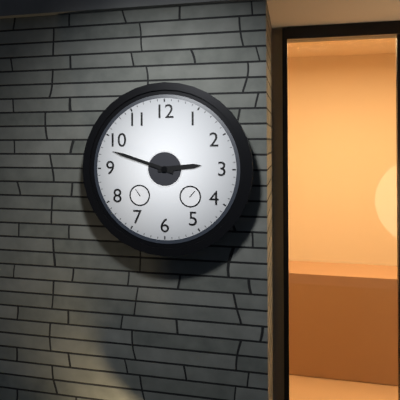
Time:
**2:48**
